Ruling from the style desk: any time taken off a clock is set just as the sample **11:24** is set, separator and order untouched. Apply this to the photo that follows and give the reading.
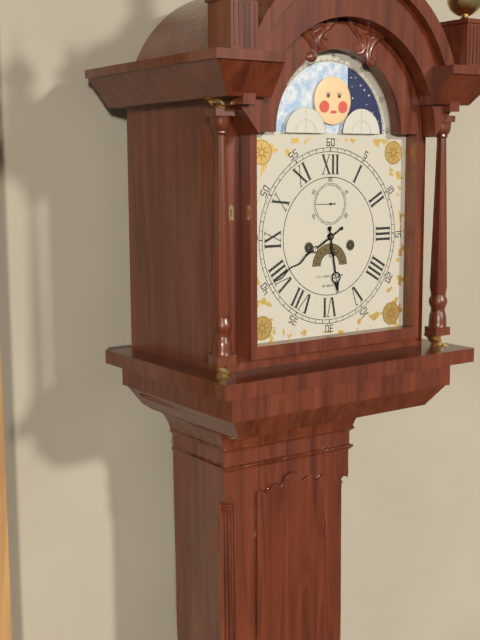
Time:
**5:40**
